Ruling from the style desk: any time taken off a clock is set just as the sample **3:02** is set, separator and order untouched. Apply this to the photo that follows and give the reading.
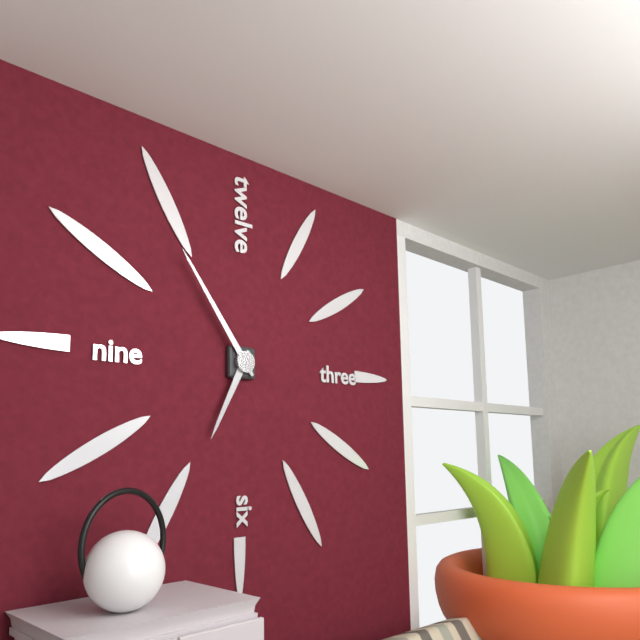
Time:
**6:54**
